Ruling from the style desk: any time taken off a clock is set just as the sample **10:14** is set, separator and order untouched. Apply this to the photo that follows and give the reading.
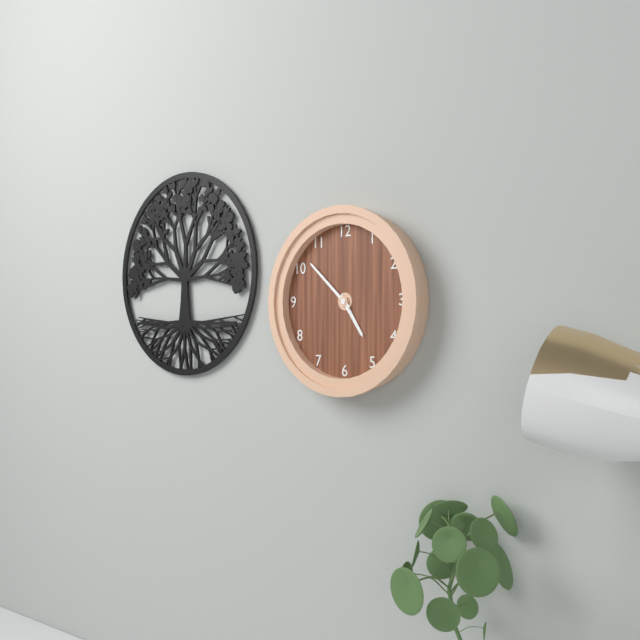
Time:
**4:52**
